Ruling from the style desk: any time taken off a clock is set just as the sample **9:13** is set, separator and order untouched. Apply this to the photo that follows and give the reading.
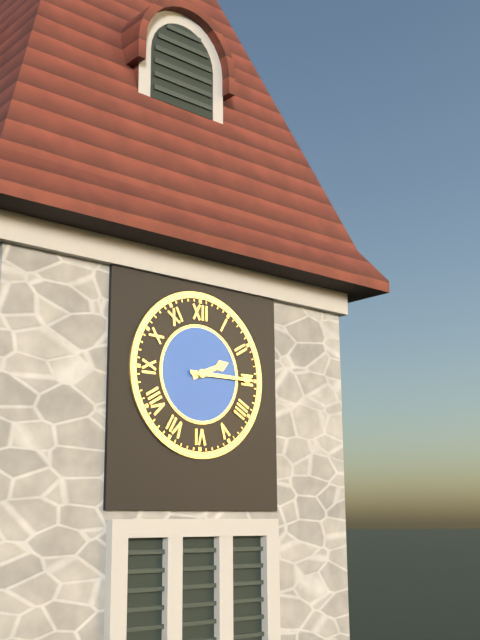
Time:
**2:15**
